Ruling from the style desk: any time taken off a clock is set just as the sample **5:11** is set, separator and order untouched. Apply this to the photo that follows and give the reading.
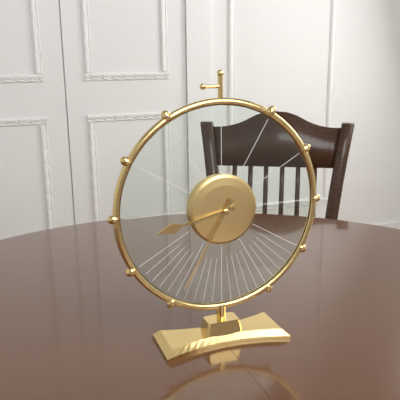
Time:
**8:35**
